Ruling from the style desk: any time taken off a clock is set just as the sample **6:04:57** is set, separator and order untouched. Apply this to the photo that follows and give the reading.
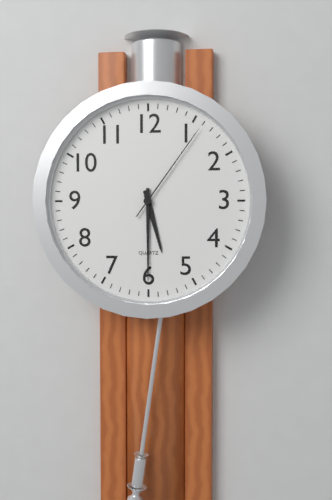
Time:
**5:30:06**
